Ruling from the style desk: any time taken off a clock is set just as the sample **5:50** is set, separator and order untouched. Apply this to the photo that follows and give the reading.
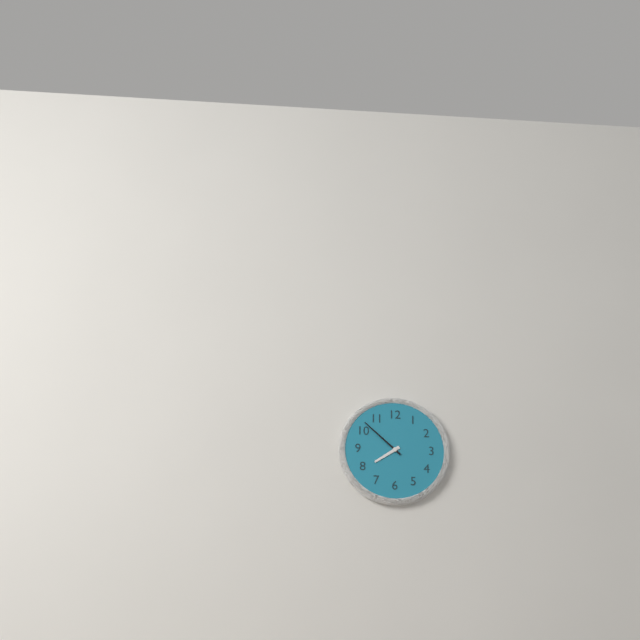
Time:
**7:52**
